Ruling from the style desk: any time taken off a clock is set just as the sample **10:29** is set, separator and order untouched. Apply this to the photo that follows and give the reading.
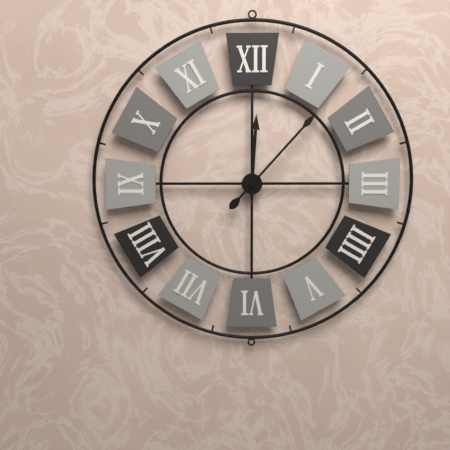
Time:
**12:07**
